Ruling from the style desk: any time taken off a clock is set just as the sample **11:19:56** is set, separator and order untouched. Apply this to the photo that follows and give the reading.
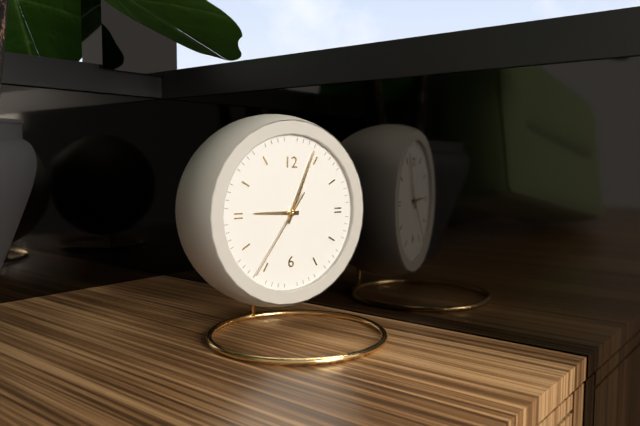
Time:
**9:04:36**
